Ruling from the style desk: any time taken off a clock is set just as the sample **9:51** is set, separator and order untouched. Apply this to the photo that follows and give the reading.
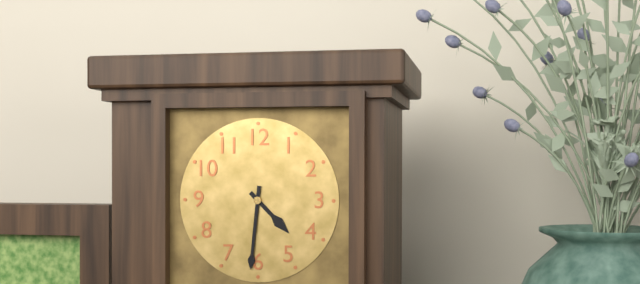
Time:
**4:31**
